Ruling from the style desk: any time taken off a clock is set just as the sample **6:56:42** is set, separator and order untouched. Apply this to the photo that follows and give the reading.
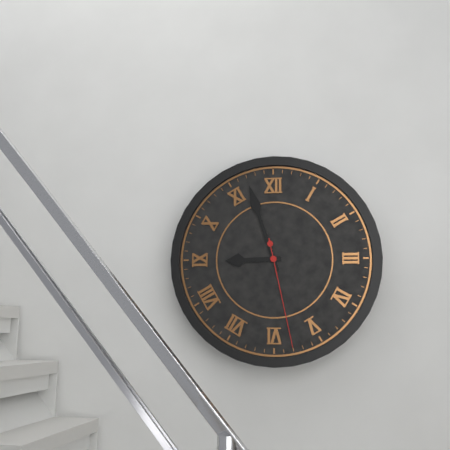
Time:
**8:57:28**
